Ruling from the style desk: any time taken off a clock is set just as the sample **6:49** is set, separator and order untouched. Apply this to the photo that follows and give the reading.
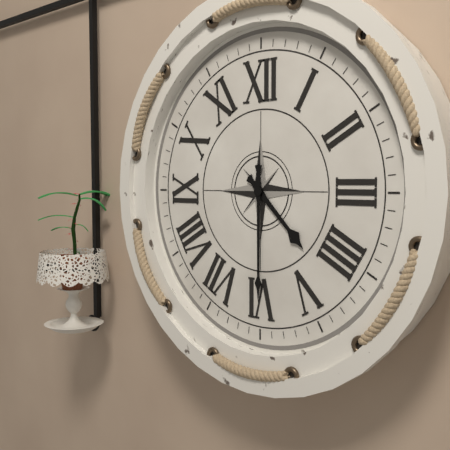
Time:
**4:30**
